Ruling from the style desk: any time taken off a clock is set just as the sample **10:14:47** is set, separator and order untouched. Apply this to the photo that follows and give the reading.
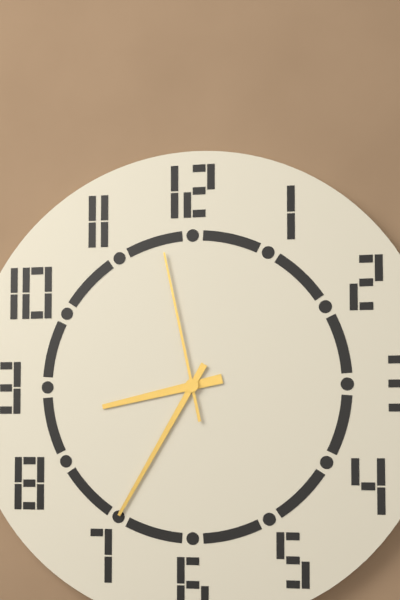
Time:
**8:35:58**
